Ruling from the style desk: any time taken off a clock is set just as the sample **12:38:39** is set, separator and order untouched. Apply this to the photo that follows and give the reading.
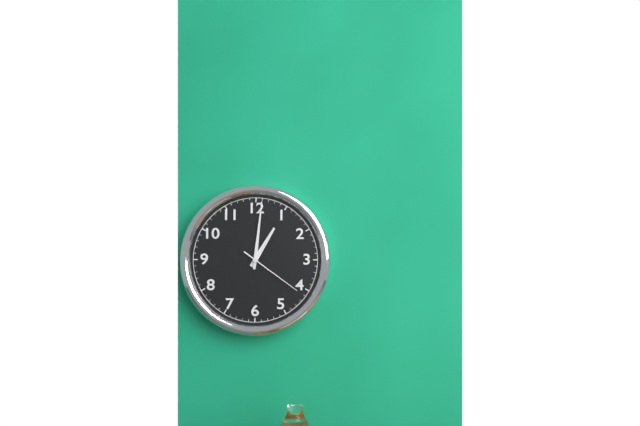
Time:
**1:01:21**
